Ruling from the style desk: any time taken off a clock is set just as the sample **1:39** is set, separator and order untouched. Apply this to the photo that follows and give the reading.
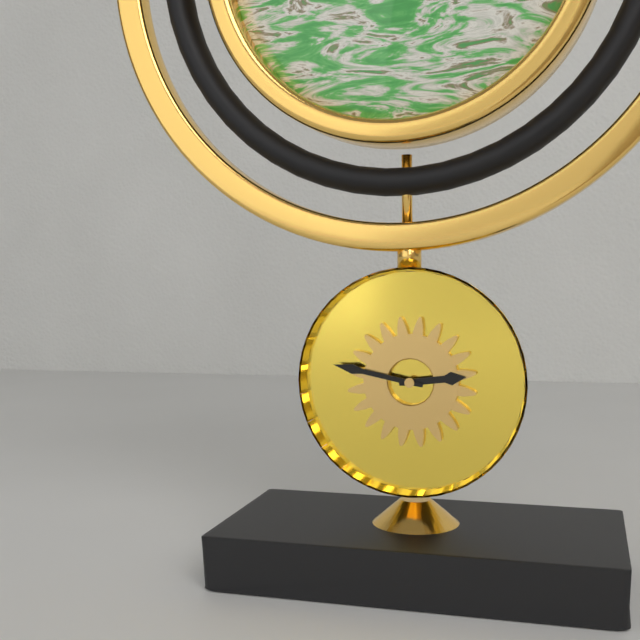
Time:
**2:47**
